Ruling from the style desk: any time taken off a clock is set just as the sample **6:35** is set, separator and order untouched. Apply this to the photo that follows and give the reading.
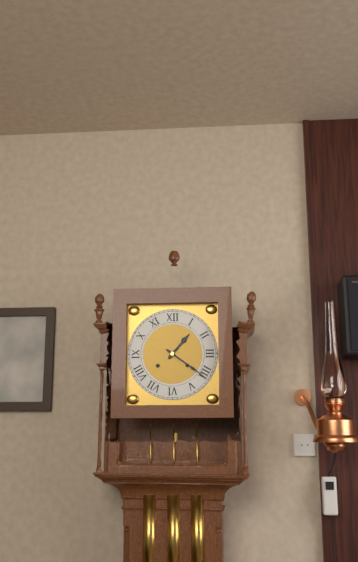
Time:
**1:21**
